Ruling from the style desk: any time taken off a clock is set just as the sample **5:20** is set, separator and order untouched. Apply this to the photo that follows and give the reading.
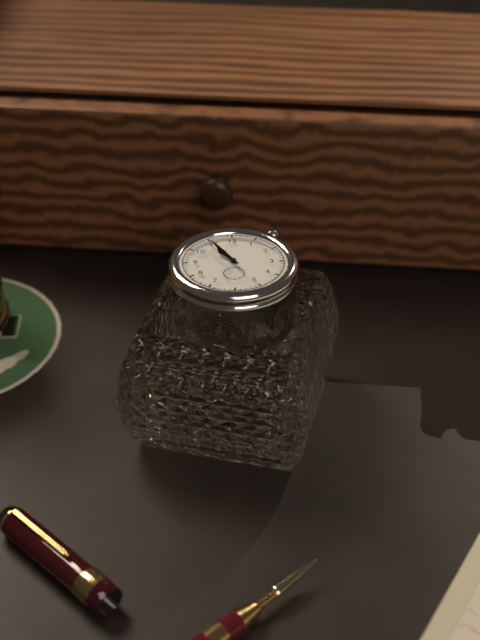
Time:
**10:55**
